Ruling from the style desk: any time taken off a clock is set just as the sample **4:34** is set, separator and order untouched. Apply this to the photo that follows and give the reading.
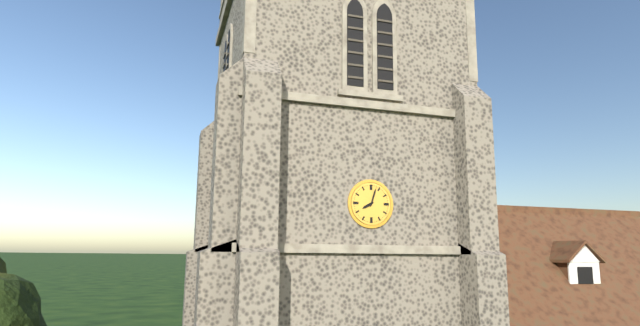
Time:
**8:03**
